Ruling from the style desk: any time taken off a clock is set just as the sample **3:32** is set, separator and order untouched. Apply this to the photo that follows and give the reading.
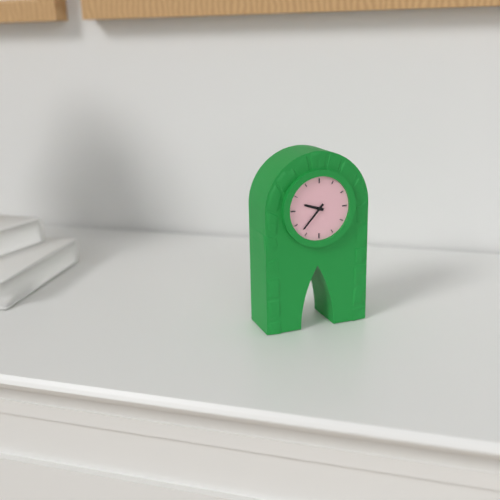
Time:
**9:37**
